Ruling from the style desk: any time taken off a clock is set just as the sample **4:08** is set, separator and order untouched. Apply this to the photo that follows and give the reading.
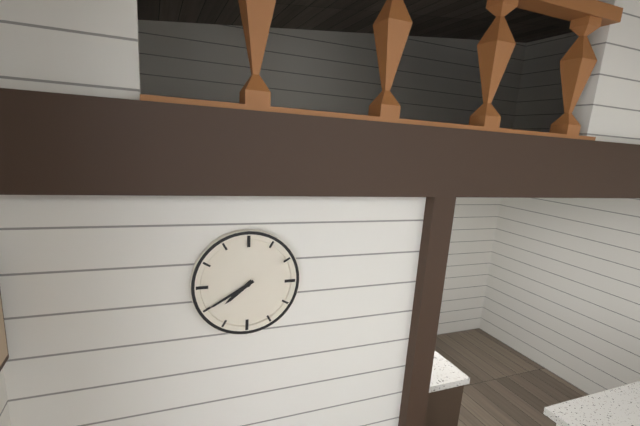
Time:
**7:40**
